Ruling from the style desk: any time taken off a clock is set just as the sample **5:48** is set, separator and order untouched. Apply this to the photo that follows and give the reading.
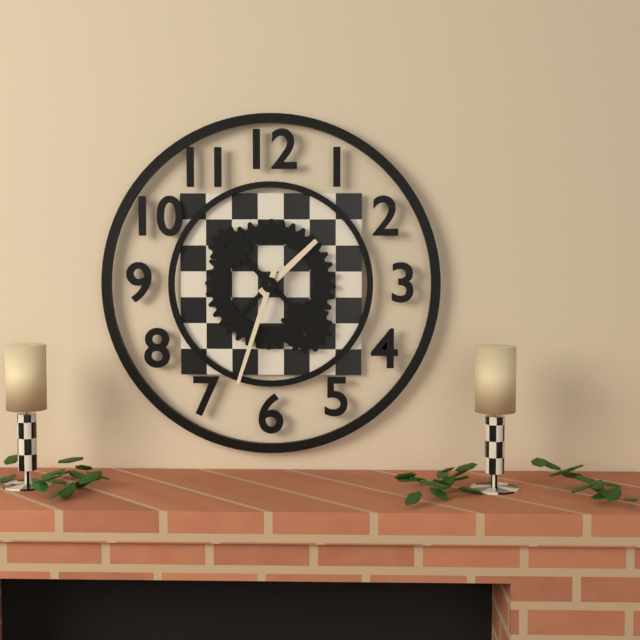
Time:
**1:33**
